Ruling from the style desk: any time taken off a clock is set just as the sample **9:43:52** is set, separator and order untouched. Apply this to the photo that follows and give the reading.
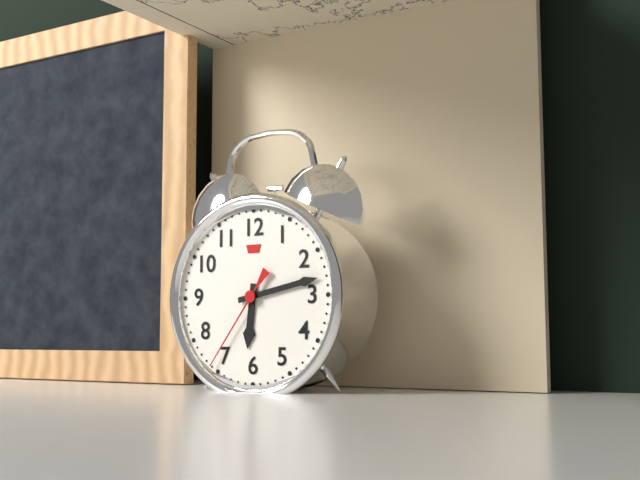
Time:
**6:13:36**
